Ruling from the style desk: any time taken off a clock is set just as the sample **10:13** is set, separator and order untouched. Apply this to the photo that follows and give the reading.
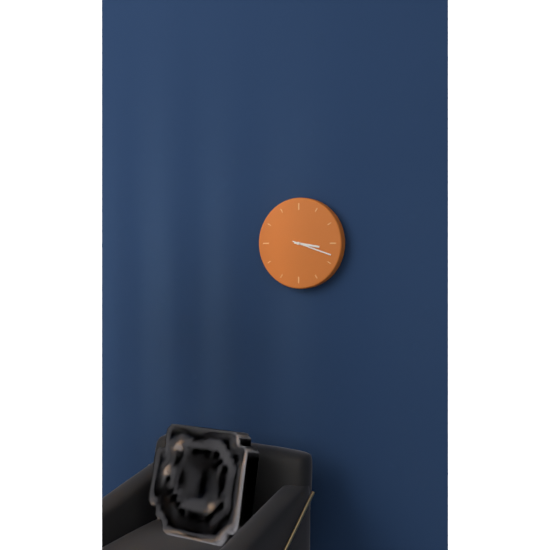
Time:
**3:18**
